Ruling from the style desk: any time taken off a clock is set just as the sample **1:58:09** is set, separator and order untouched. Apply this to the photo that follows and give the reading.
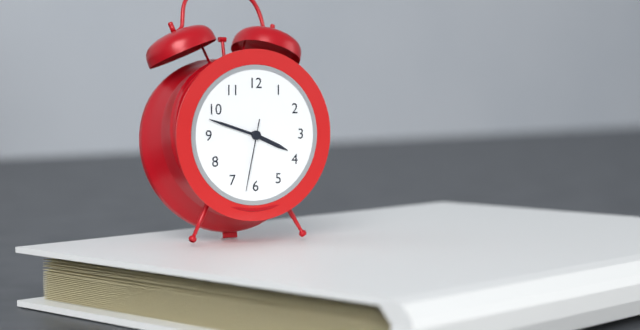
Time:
**3:48:32**
